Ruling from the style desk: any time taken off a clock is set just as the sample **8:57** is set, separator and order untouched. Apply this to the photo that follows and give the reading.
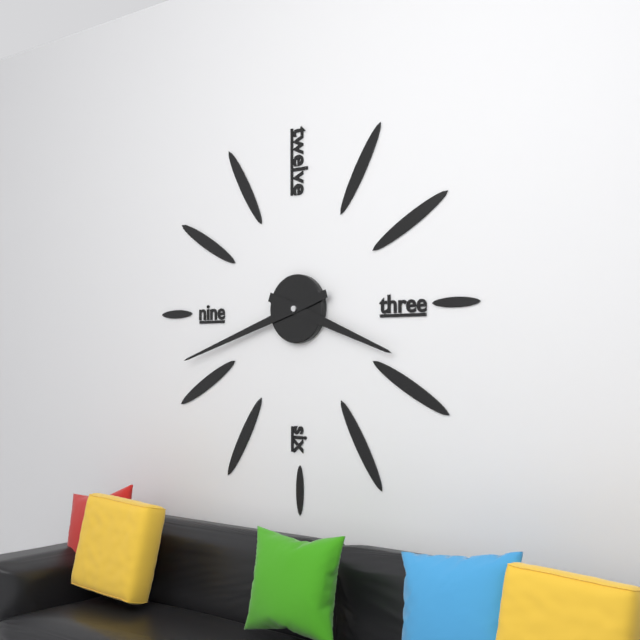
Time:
**3:42**
